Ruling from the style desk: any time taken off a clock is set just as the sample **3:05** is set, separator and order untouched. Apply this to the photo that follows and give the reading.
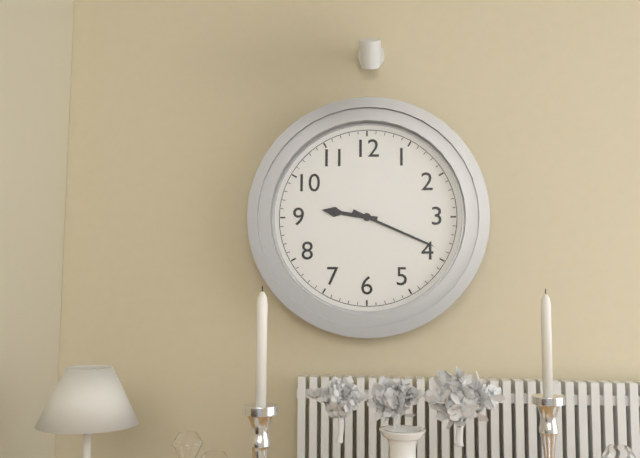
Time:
**9:19**
